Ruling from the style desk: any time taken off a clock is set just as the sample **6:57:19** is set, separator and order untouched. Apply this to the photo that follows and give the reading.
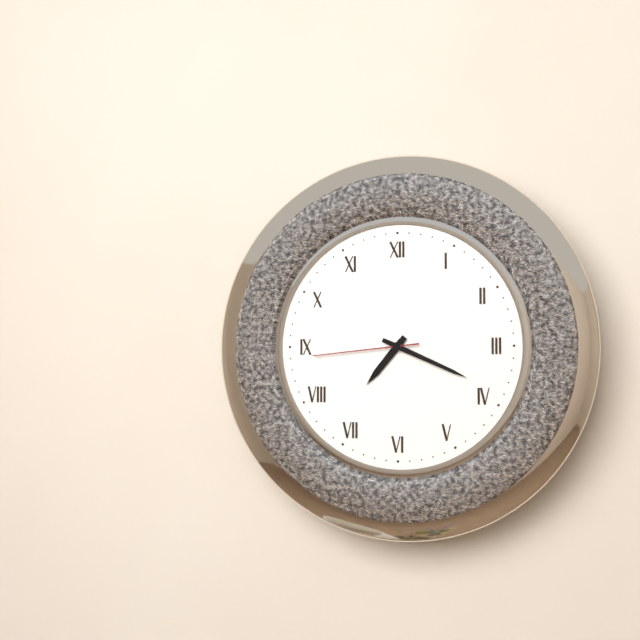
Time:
**7:19:44**
